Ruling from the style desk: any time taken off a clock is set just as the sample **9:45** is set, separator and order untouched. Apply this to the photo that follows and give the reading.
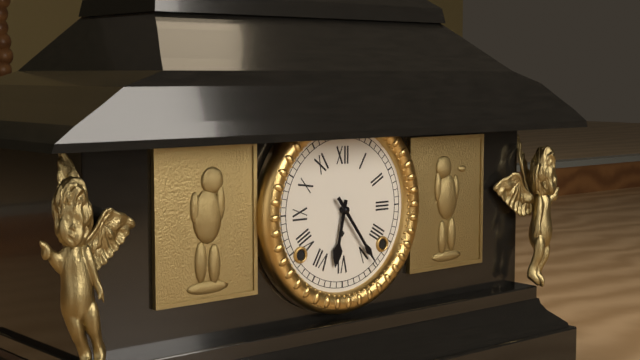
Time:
**6:24**
